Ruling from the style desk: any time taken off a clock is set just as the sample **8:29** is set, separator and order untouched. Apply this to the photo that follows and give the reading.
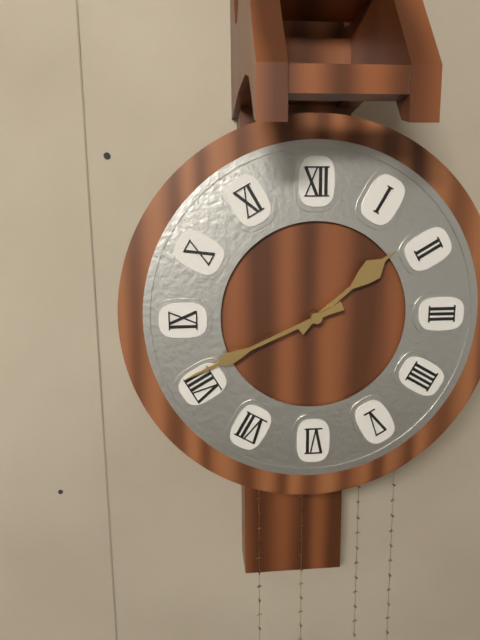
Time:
**1:41**
